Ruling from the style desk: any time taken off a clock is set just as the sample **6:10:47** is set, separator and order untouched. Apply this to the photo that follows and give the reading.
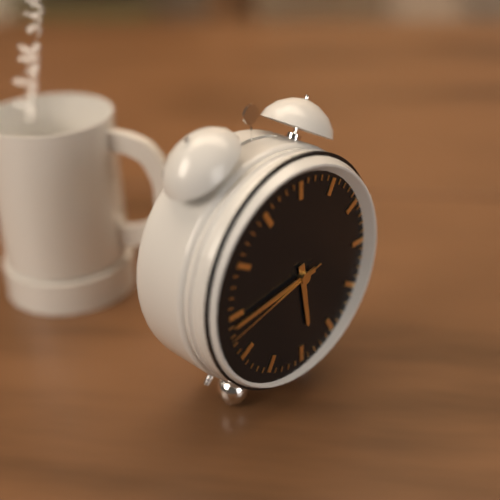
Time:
**5:44:43**
